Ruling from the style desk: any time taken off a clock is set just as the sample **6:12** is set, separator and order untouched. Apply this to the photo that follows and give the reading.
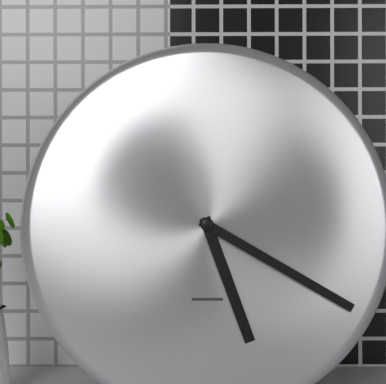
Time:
**5:20**
